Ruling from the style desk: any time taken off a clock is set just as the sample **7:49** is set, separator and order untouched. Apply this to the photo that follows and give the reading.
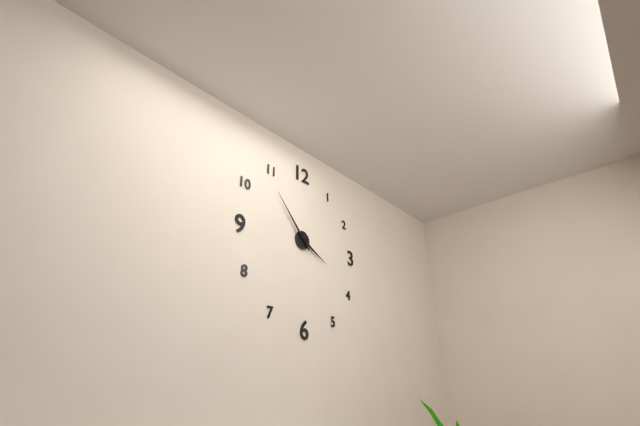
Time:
**3:53**
